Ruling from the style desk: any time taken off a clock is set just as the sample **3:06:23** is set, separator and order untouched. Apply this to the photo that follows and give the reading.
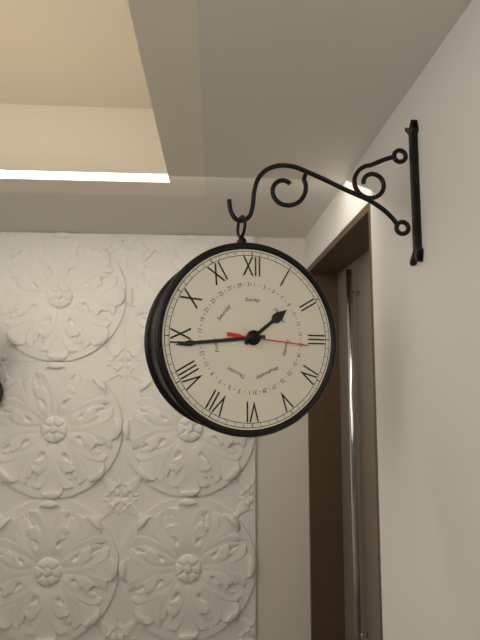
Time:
**1:44:16**
